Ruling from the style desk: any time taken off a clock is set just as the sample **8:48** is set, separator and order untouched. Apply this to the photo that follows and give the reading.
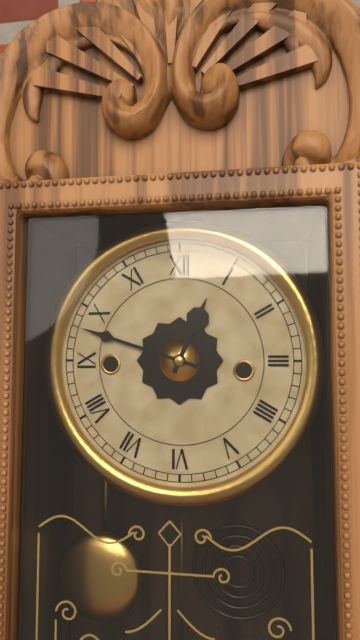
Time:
**12:48**
